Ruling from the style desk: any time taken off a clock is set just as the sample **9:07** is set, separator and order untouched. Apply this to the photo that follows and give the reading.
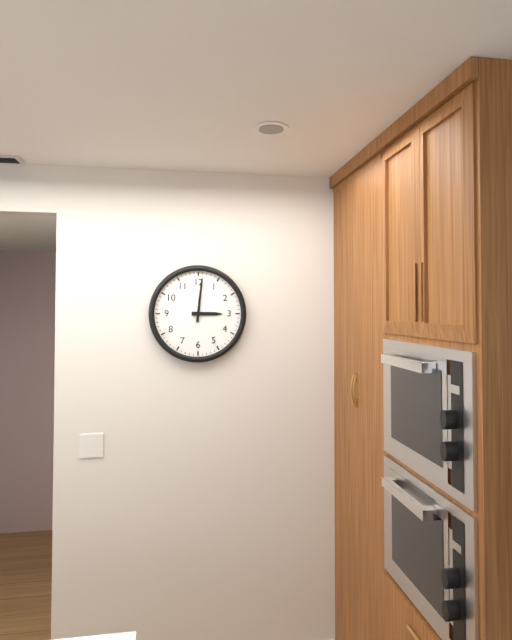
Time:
**3:01**
